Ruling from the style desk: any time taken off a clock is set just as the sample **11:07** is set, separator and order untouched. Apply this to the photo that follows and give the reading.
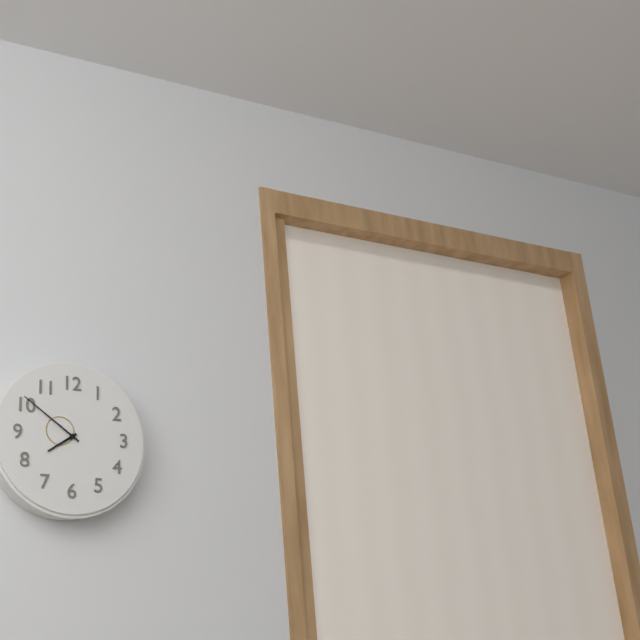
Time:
**7:51**
